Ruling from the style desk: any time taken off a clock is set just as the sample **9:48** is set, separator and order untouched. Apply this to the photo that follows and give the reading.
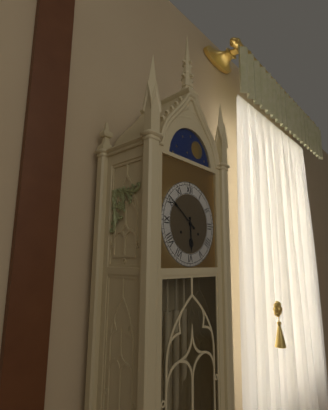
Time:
**5:51**
